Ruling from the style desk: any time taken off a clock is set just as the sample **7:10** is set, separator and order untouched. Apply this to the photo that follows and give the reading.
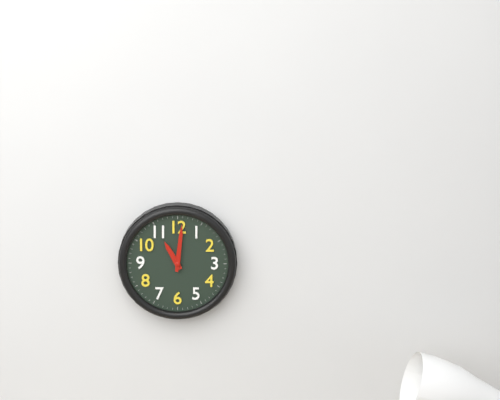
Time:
**11:01**
